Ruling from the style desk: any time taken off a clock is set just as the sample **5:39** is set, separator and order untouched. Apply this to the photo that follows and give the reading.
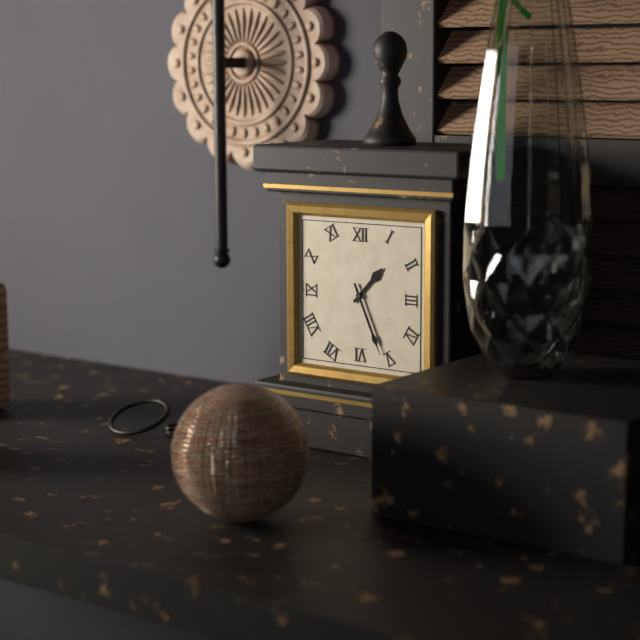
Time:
**1:26**
